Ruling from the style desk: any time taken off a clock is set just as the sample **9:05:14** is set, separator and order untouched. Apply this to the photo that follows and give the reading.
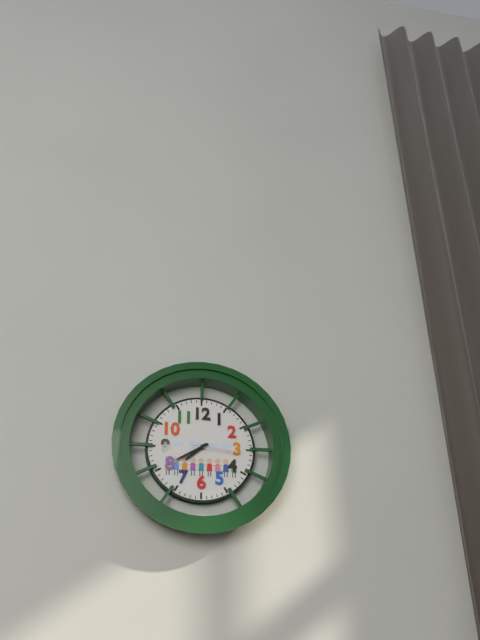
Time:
**7:40:16**
